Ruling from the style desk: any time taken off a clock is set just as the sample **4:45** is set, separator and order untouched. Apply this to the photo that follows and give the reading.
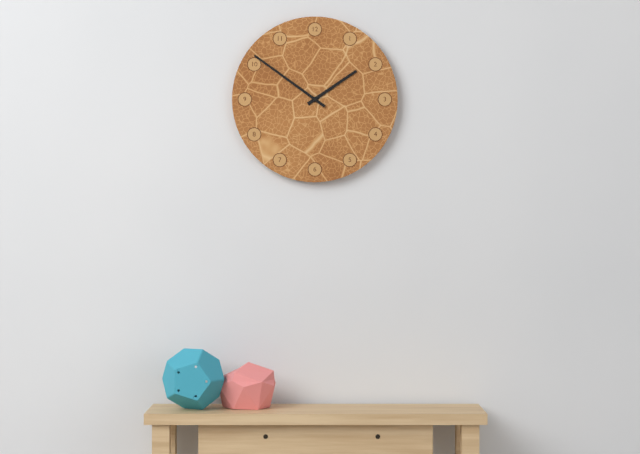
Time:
**1:51**
